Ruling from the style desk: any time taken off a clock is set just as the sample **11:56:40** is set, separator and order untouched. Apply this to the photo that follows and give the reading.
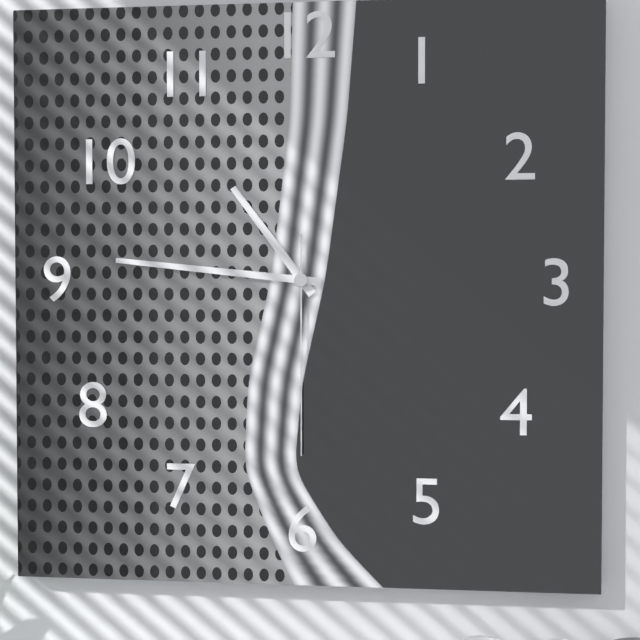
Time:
**10:46:30**
